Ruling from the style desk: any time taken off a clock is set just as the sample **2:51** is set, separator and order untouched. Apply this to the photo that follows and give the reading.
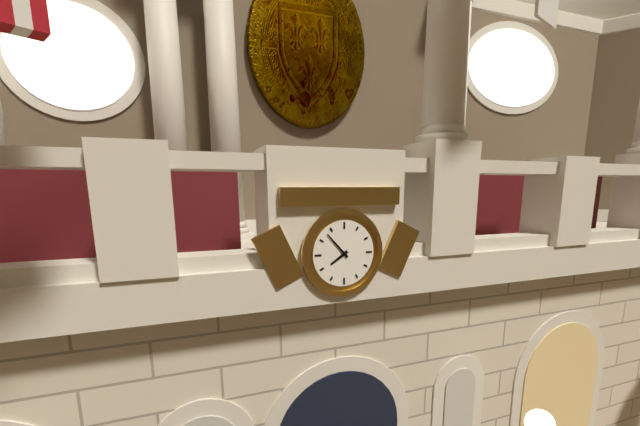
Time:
**7:53**
